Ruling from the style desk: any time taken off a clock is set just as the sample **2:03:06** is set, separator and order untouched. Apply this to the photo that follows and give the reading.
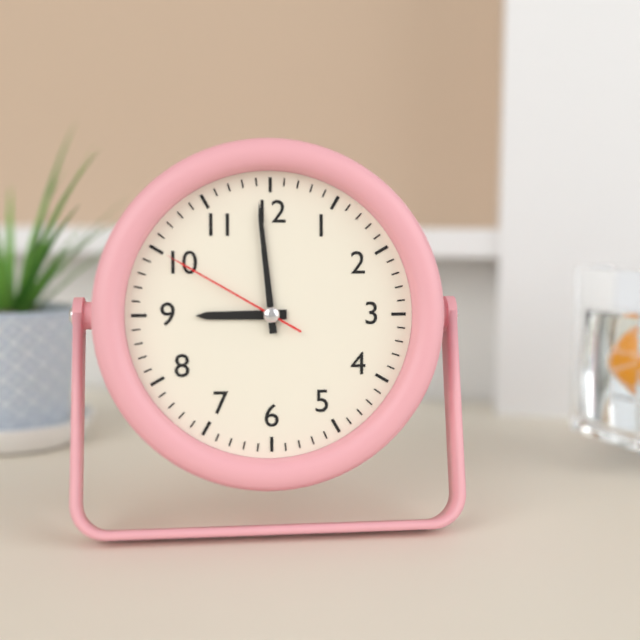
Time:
**8:59:50**
